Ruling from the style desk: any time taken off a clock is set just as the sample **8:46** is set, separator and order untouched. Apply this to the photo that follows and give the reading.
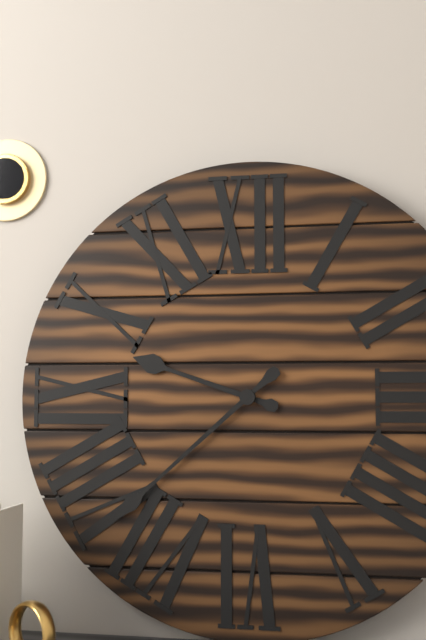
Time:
**9:38**
